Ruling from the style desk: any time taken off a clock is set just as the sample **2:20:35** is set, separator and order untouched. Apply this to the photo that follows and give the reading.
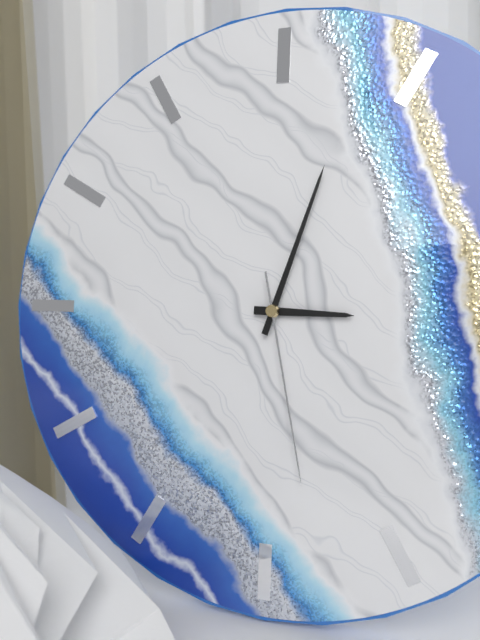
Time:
**3:03:28**
